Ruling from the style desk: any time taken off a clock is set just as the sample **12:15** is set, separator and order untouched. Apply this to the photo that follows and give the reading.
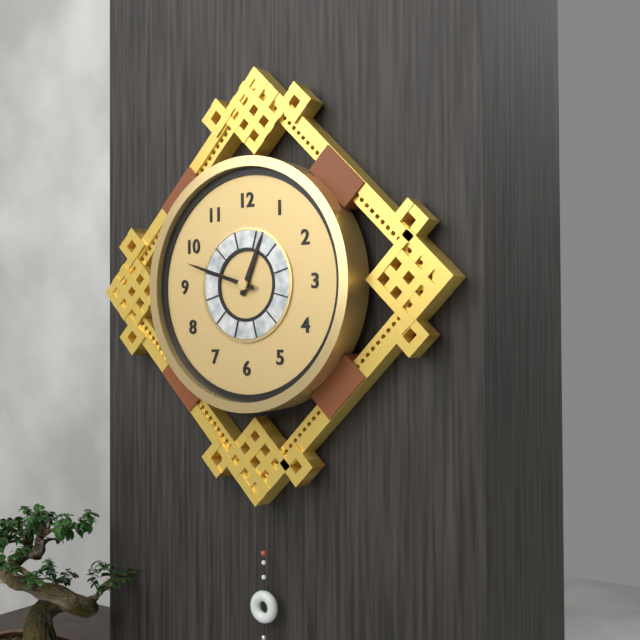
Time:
**12:48**
